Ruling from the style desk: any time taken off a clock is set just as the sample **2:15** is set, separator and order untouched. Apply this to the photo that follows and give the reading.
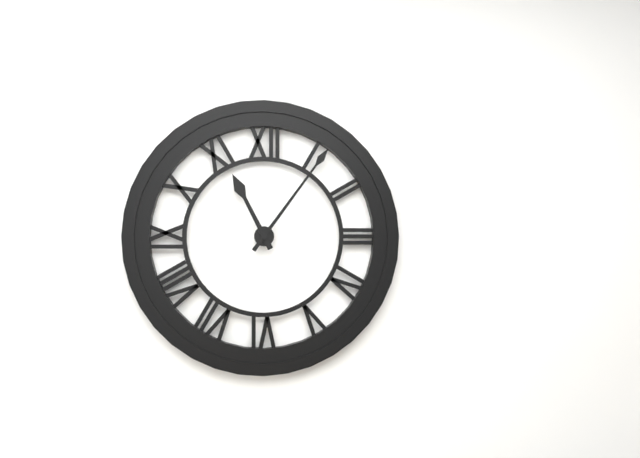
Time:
**11:06**
